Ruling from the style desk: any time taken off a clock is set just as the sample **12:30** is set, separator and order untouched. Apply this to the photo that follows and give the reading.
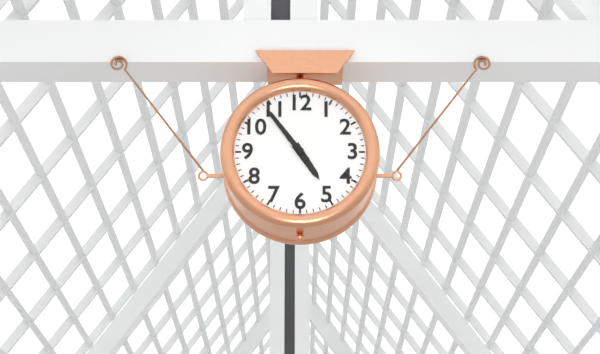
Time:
**4:54**
